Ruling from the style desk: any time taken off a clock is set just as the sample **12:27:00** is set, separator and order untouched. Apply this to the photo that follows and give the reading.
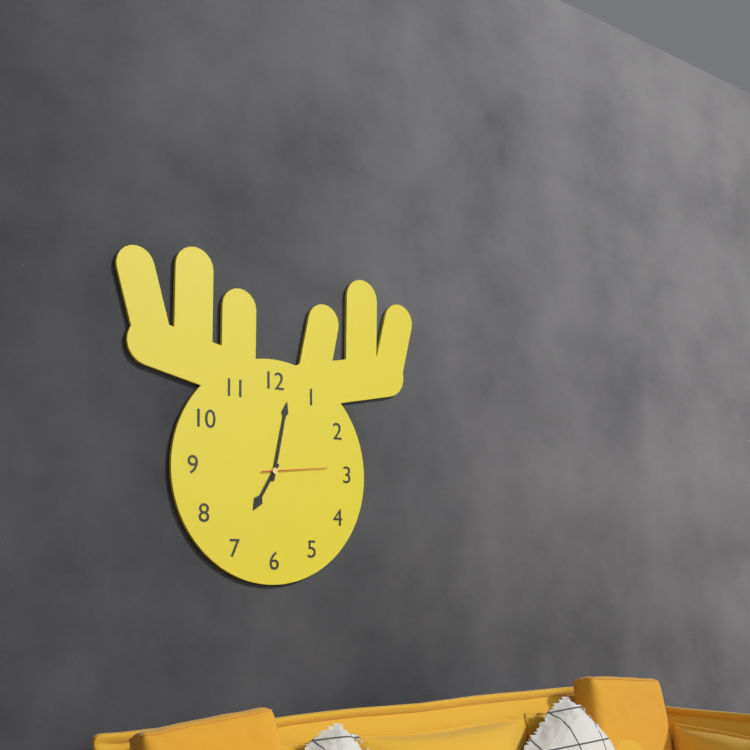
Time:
**7:02:14**
